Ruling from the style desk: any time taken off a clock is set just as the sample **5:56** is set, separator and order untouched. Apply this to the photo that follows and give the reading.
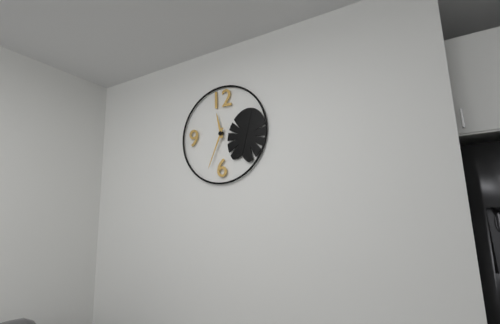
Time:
**11:34**
